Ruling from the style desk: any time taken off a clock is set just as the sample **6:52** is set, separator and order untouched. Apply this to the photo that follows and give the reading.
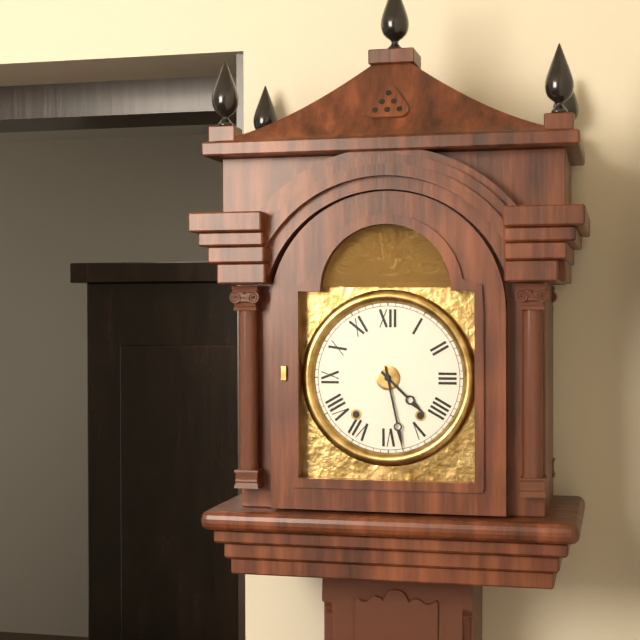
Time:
**4:28**
